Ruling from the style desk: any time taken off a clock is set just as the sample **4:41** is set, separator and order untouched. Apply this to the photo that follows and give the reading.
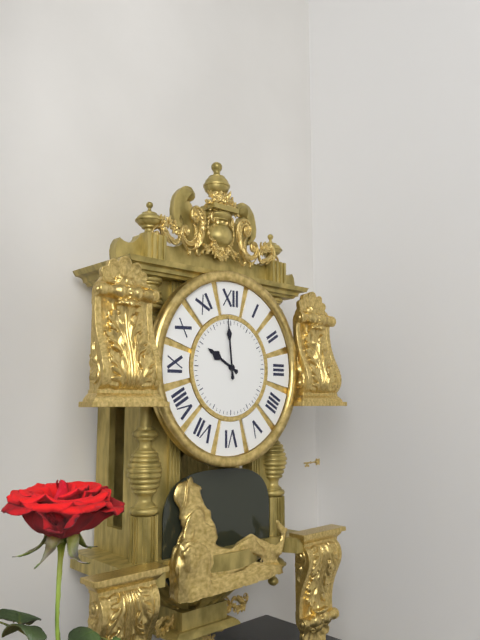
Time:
**9:59**
